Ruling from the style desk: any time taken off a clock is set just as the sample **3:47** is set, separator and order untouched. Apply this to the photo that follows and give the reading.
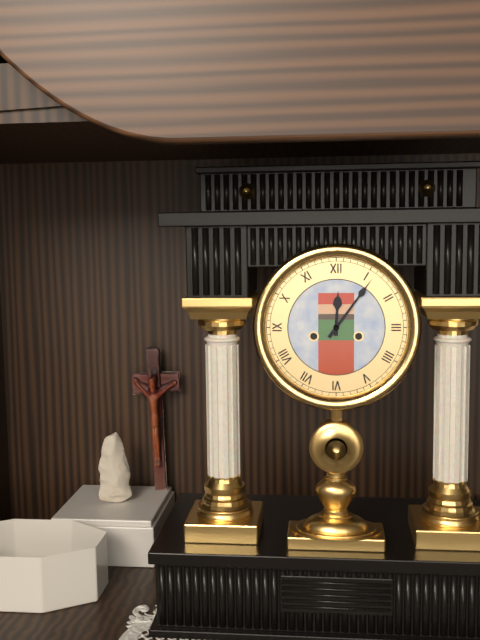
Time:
**12:06**
